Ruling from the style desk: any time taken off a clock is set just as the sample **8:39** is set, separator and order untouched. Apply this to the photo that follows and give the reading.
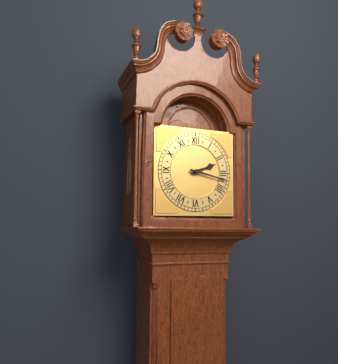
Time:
**2:17**
